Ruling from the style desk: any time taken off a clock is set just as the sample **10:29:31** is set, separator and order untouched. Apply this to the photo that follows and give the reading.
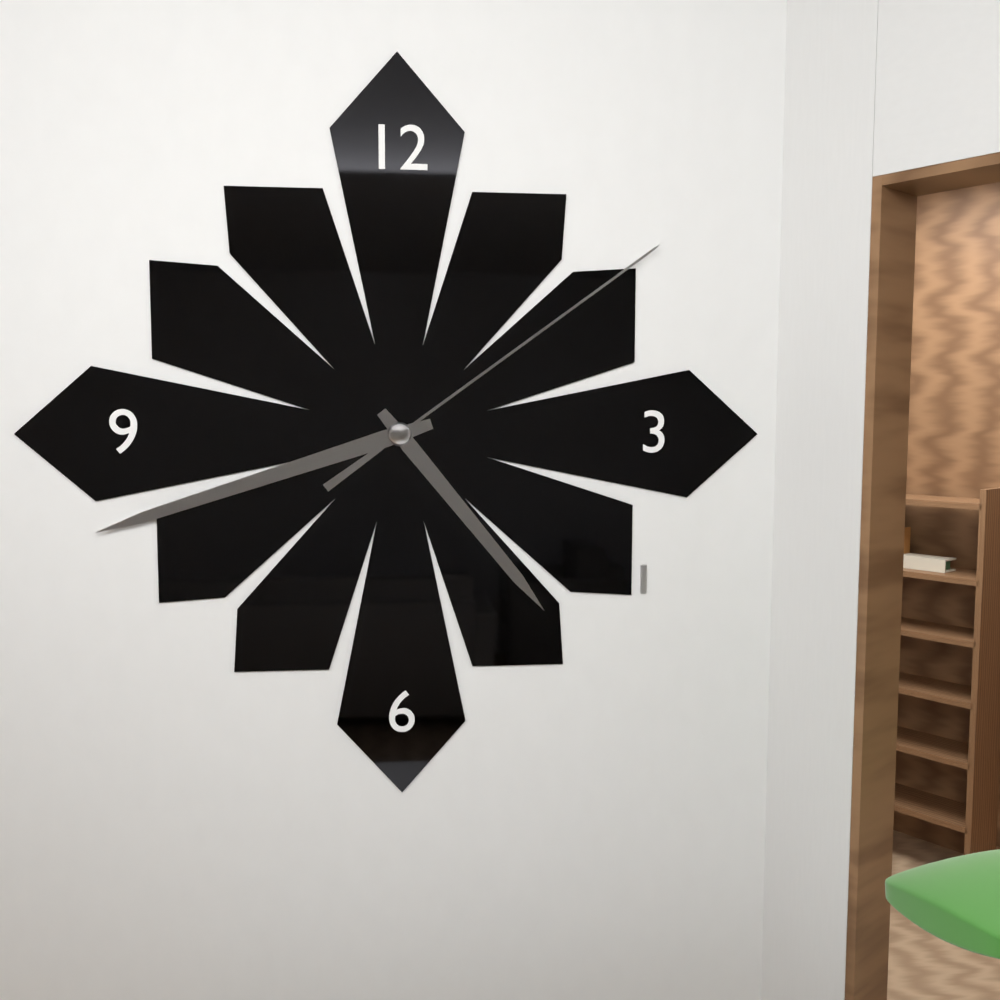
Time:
**4:42:09**
